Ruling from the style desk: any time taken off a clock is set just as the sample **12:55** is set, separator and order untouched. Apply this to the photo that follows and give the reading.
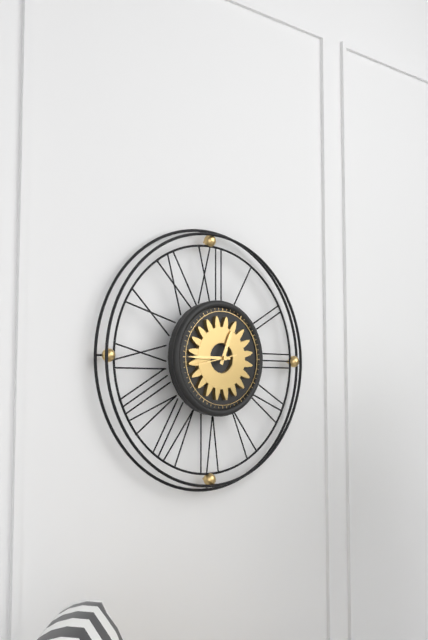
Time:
**12:45**
